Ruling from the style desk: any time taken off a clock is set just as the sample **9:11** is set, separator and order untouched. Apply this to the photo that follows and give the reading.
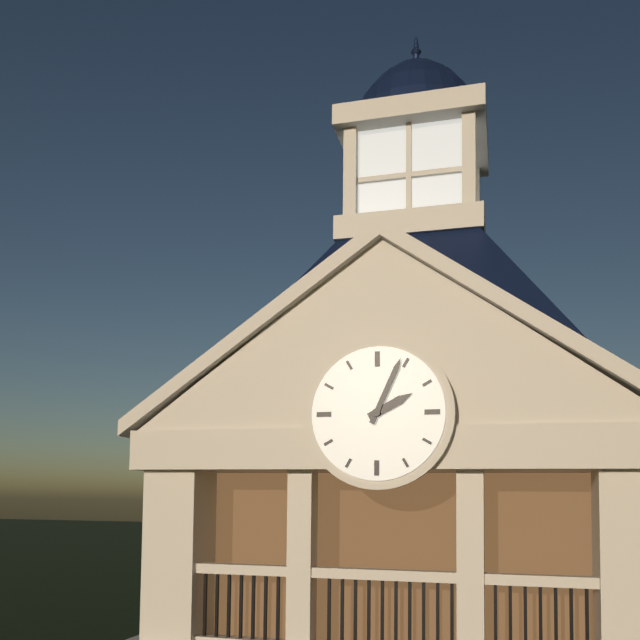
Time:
**2:04**
